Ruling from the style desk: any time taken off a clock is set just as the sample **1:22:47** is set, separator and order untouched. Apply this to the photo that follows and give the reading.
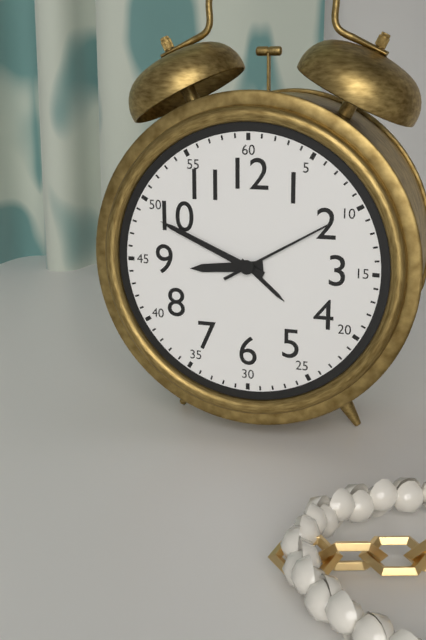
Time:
**8:49:10**
